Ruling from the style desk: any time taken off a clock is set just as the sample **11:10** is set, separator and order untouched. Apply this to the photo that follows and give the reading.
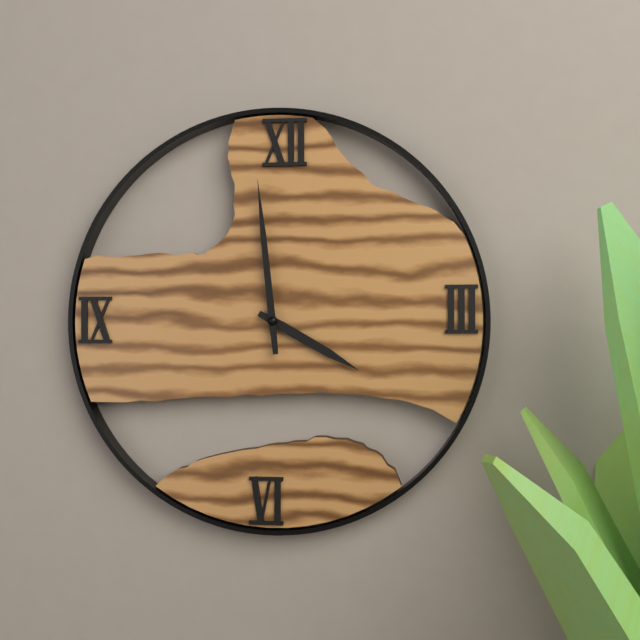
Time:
**3:59**
